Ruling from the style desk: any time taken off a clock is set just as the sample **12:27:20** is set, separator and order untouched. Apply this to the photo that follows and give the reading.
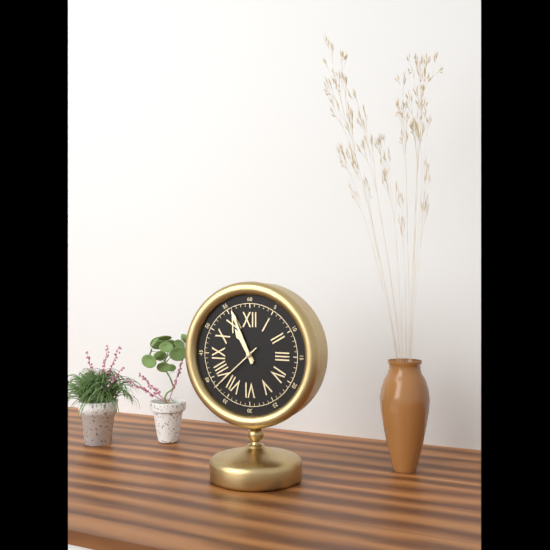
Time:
**10:56:38**
